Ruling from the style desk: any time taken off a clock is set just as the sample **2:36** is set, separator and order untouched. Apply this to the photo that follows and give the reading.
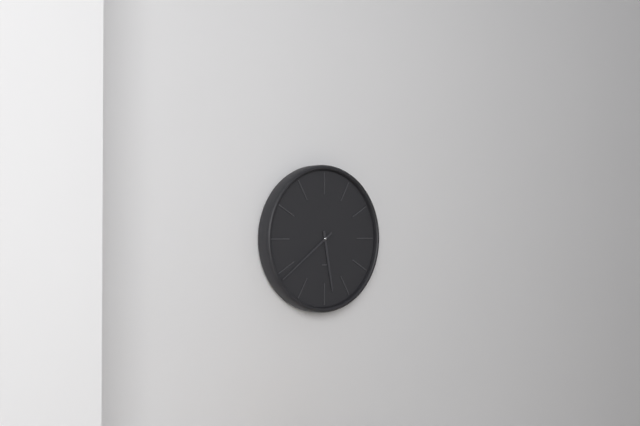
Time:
**5:39**
